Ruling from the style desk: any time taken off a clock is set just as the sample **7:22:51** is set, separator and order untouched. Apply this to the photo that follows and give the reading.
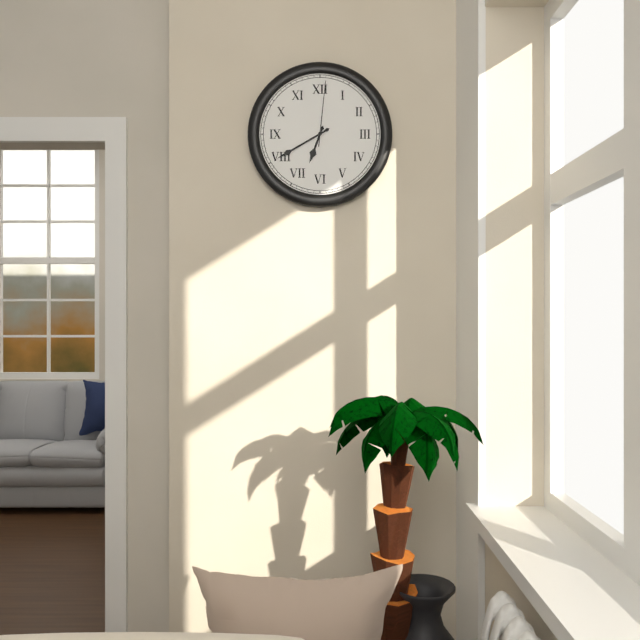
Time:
**6:40:01**
